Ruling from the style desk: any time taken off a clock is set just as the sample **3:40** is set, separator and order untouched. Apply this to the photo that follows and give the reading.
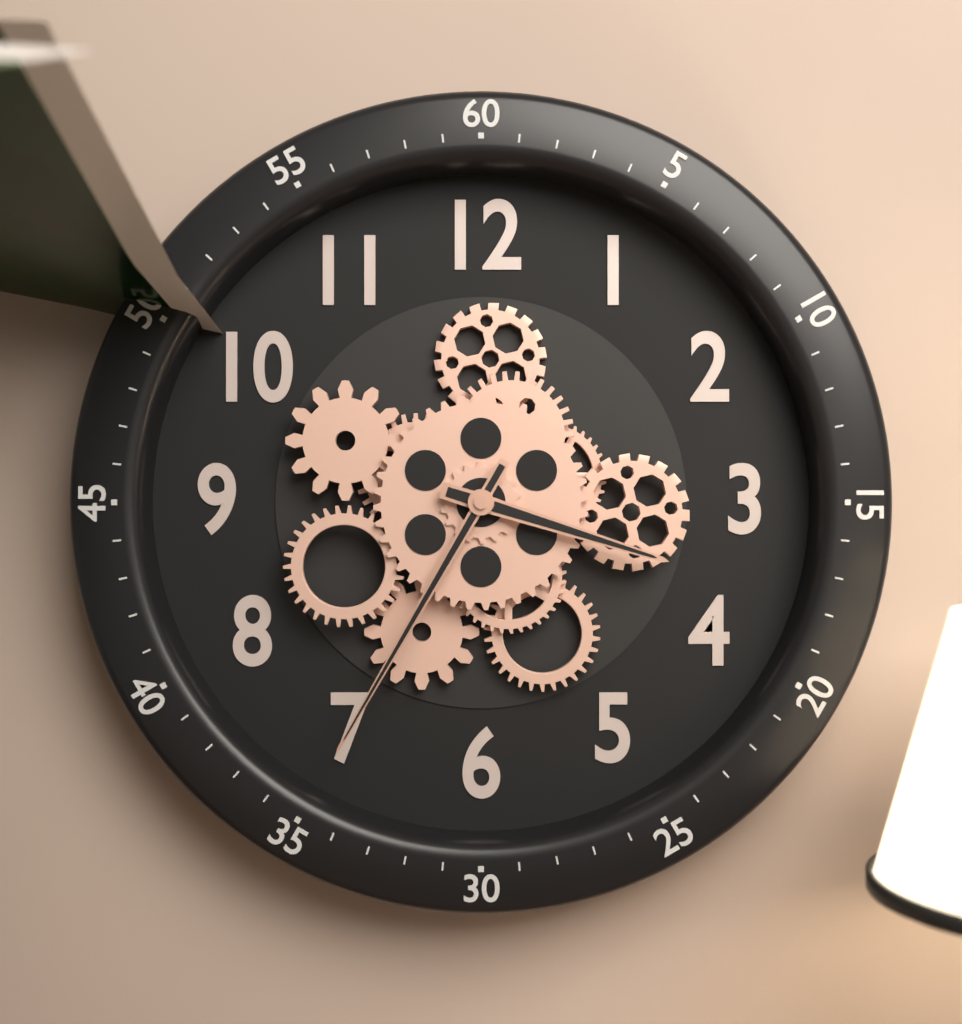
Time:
**3:35**
